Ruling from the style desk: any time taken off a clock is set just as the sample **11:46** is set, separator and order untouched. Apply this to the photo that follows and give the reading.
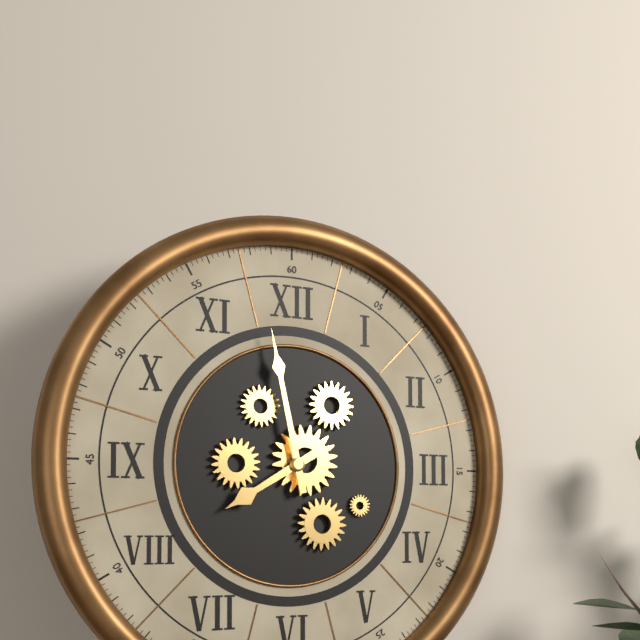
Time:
**7:58**
